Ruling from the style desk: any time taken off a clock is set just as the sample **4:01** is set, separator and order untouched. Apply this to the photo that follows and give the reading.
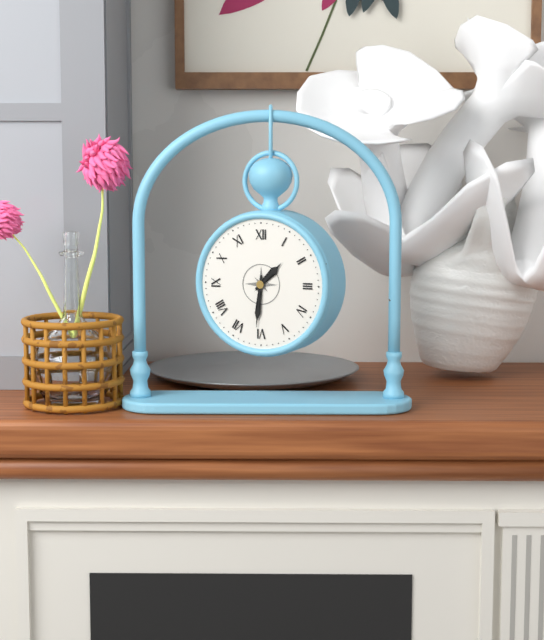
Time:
**1:31**
